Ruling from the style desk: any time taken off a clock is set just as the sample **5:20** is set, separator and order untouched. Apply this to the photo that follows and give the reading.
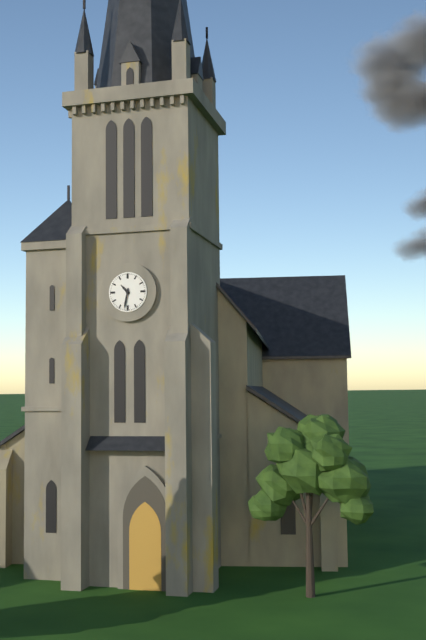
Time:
**10:32**
